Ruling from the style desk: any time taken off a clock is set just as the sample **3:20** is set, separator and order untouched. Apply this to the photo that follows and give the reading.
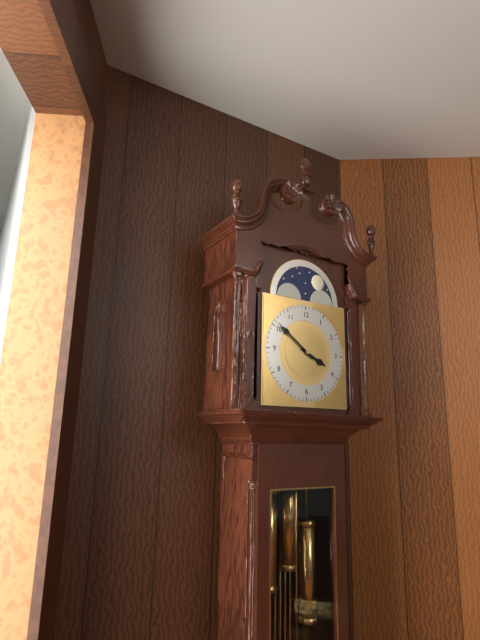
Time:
**3:51**
